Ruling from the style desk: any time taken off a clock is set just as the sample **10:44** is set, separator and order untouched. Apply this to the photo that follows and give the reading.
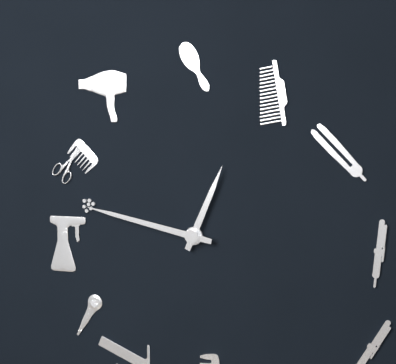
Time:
**12:47**
